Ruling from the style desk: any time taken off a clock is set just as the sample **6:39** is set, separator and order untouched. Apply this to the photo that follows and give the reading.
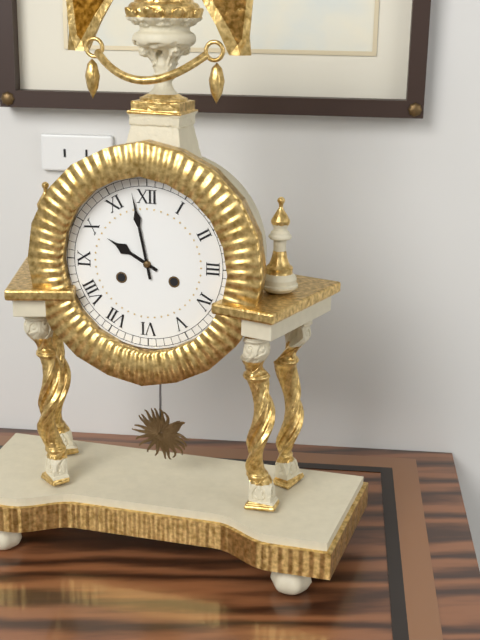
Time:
**9:58**
